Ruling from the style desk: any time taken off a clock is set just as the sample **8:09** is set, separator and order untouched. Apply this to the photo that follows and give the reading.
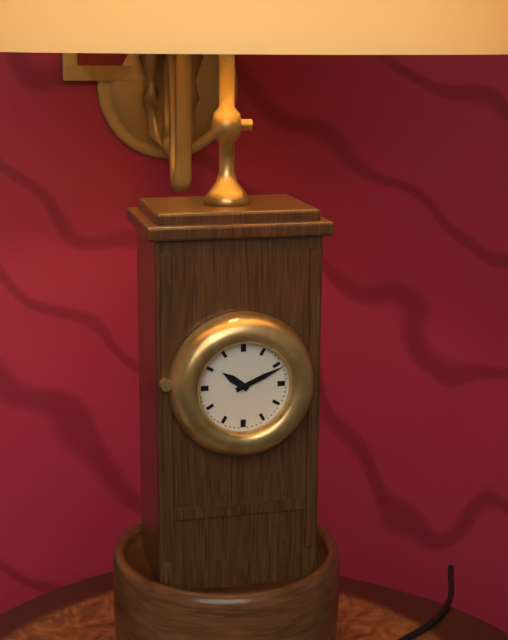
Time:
**10:11**
